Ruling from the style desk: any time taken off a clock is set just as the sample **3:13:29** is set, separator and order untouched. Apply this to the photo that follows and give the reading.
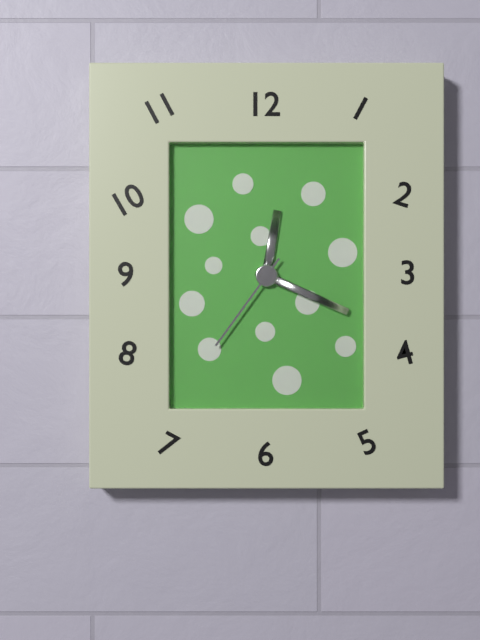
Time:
**12:19:36**
